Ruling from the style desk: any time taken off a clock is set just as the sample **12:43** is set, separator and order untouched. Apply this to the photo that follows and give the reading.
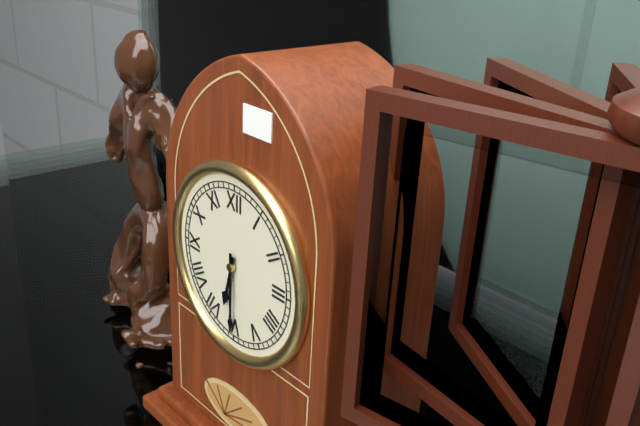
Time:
**6:30**
